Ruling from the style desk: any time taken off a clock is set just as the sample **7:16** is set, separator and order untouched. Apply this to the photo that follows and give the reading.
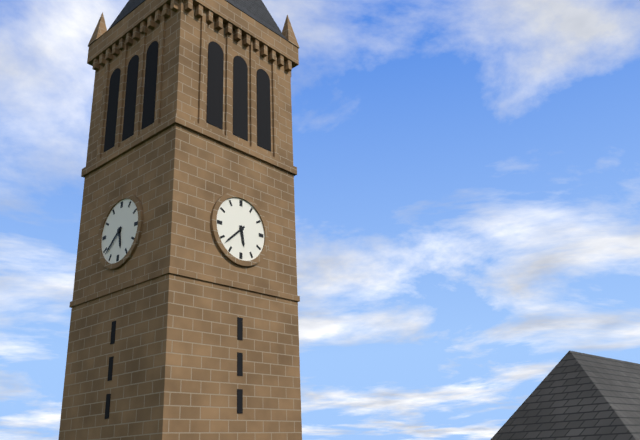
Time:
**5:38**
